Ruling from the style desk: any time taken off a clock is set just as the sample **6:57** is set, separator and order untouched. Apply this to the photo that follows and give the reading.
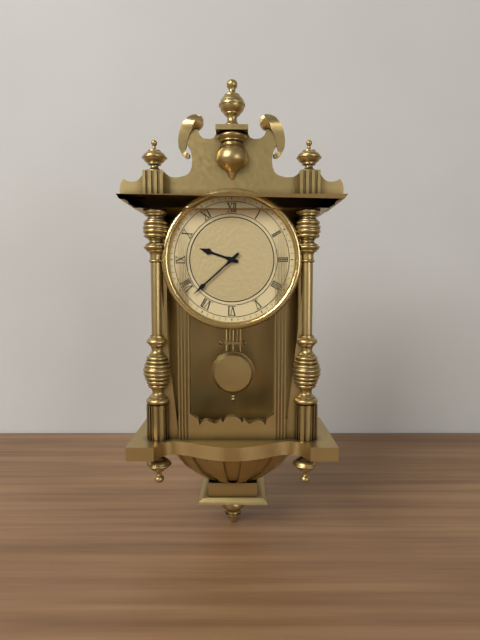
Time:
**9:38**
